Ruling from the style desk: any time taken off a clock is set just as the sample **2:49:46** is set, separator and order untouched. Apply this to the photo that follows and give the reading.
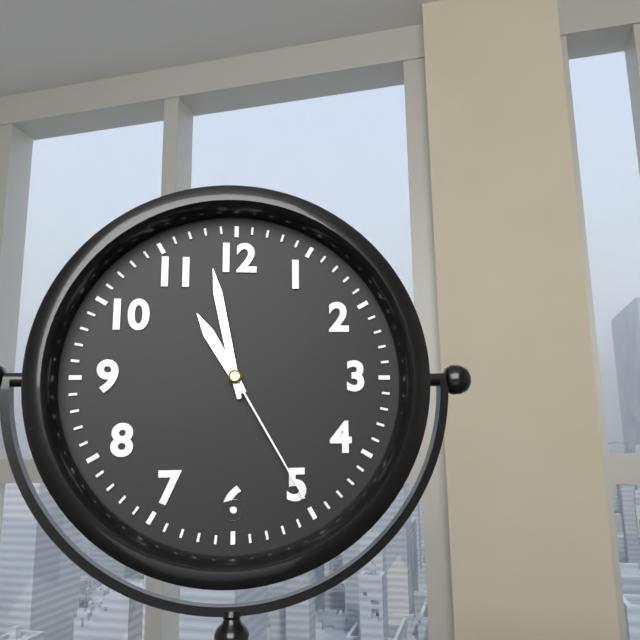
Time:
**10:58:25**
